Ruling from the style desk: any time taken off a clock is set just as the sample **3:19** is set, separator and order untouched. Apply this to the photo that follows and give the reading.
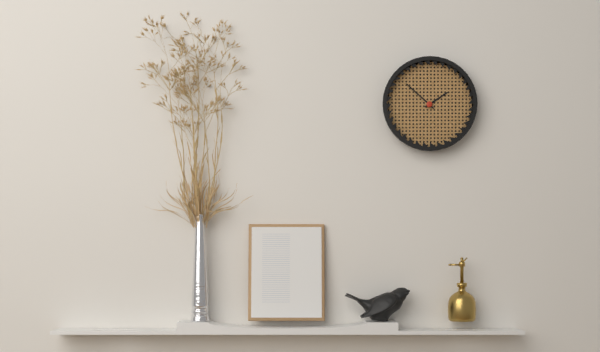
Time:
**1:52**
